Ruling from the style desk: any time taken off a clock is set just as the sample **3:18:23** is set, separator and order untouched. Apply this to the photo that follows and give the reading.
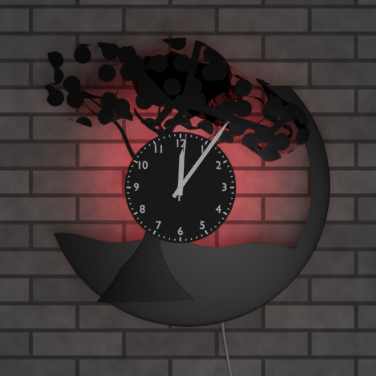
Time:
**12:06:01**
